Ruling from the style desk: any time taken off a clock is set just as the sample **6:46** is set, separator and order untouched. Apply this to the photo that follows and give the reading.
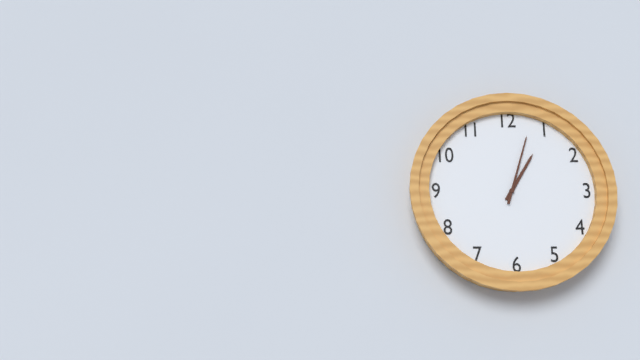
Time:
**1:03**
